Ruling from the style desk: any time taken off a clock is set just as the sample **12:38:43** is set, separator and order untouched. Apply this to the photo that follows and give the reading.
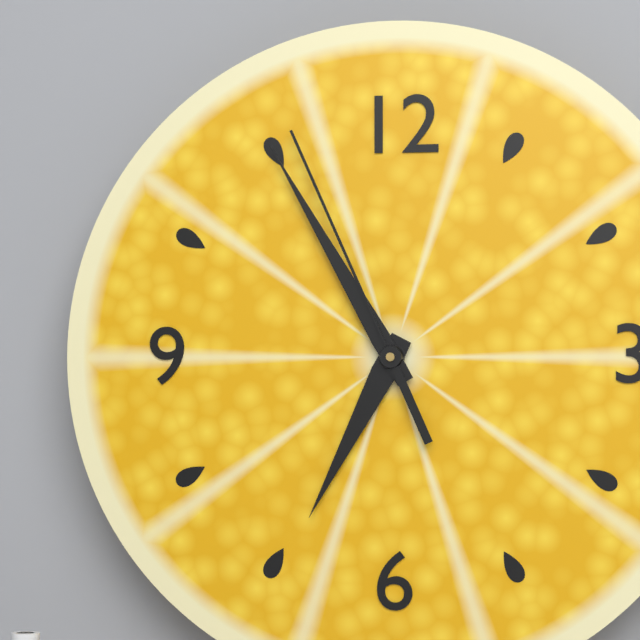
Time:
**6:55:56**
